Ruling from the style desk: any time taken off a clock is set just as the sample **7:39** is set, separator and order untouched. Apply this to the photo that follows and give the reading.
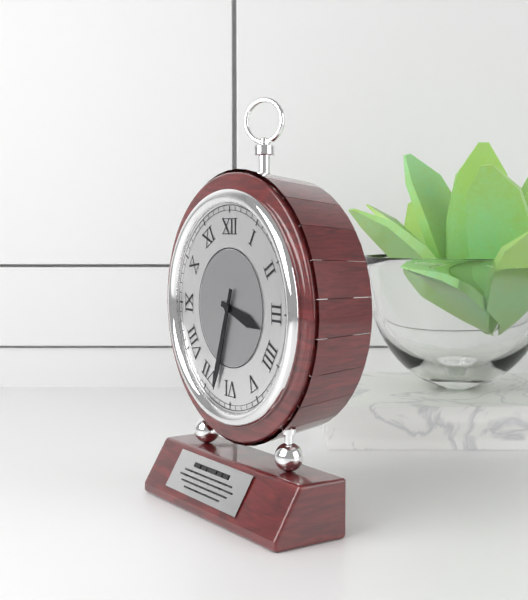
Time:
**3:33**
